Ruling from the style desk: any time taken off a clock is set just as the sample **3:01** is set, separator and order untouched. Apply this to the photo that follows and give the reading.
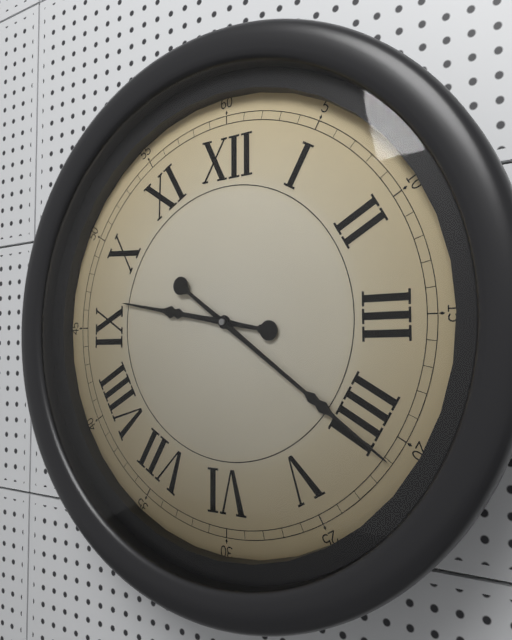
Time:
**9:21**
